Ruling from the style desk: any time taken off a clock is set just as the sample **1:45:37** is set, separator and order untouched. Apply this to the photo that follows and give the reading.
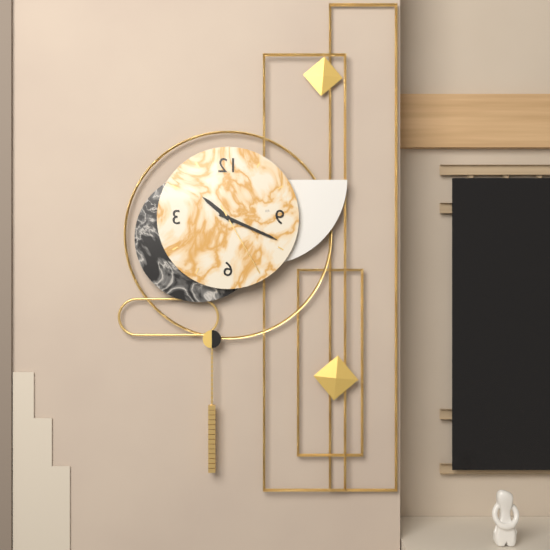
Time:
**10:19:25**
